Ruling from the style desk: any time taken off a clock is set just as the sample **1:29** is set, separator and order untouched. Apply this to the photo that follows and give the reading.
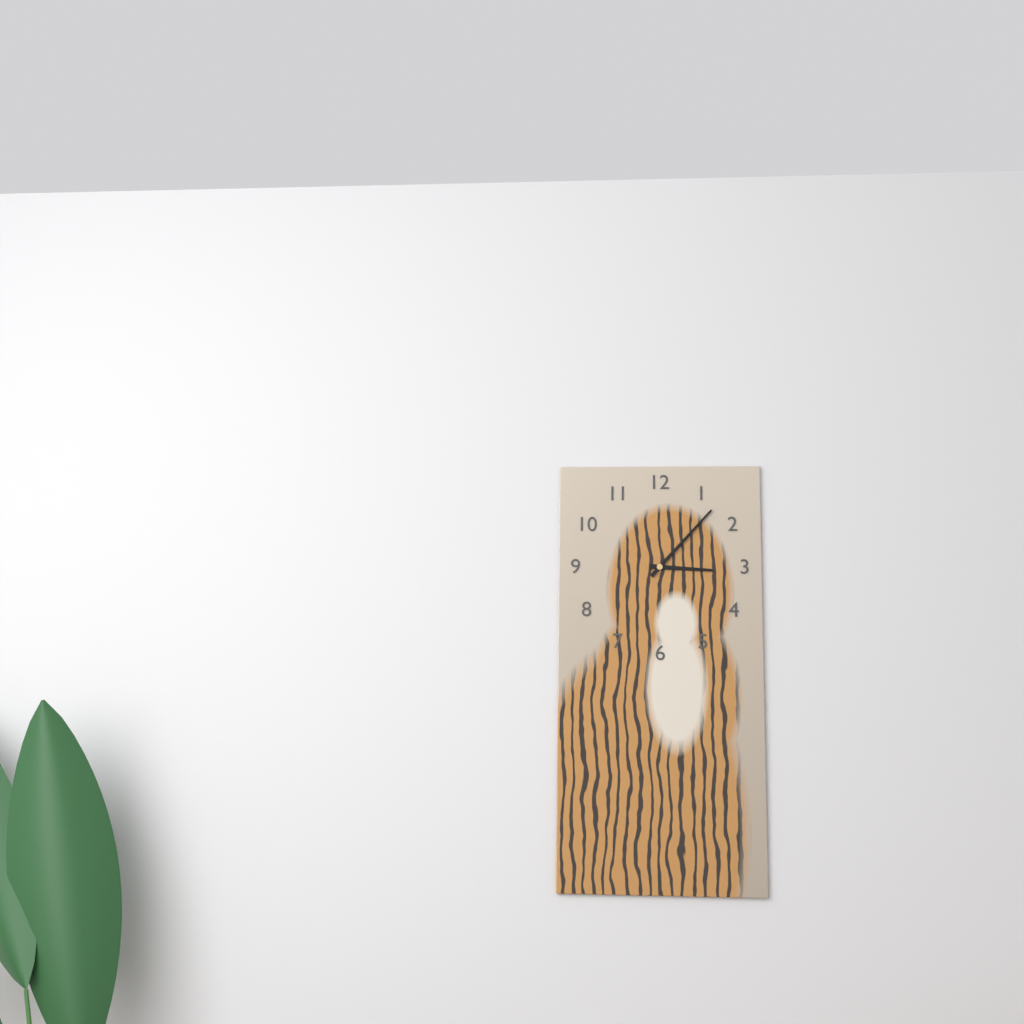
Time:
**3:07**
